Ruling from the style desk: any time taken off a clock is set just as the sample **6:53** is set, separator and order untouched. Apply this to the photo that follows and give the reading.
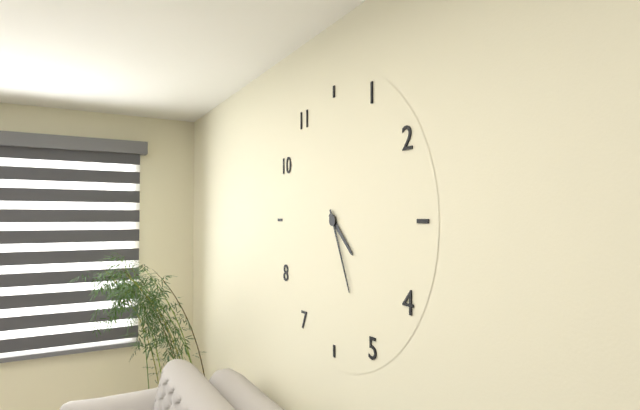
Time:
**4:26**
